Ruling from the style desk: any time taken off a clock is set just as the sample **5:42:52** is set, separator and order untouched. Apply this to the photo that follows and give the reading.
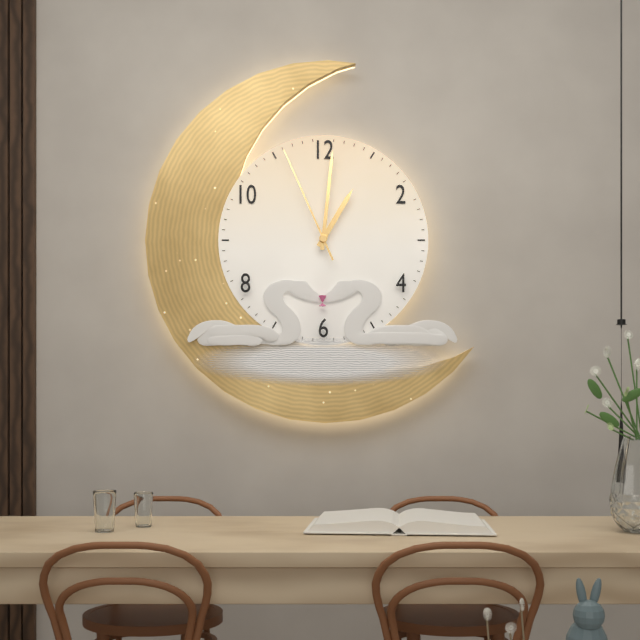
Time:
**1:01:56**
